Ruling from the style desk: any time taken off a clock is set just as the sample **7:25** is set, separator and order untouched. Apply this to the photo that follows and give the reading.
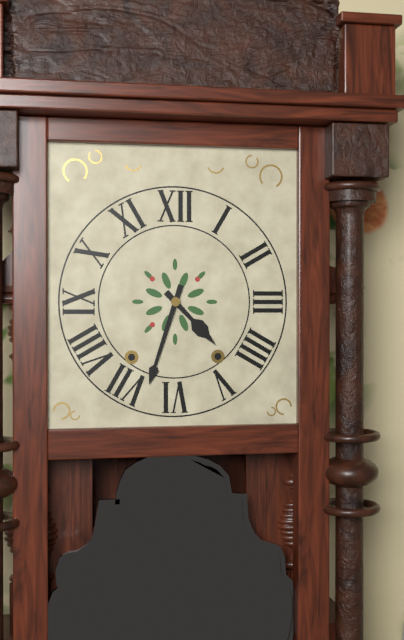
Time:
**4:33**
